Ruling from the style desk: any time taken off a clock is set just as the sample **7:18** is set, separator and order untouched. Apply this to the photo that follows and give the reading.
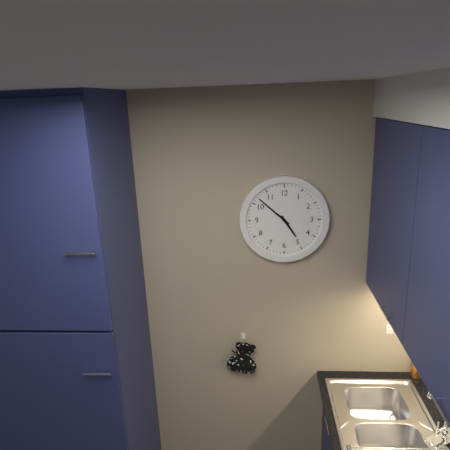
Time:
**4:52**
